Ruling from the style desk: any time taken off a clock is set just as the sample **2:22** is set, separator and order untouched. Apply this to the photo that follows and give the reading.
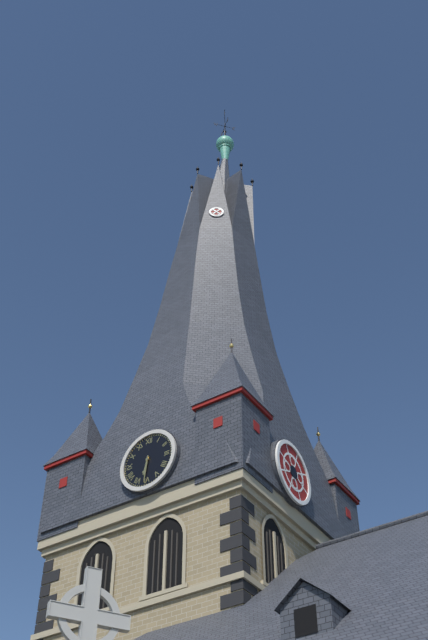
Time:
**6:31**
